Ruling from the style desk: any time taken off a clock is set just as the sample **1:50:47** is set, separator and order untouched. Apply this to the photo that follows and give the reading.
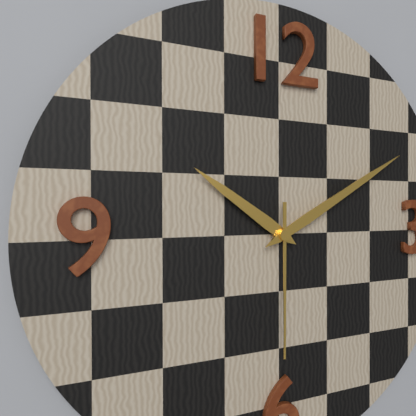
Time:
**10:10:30**
